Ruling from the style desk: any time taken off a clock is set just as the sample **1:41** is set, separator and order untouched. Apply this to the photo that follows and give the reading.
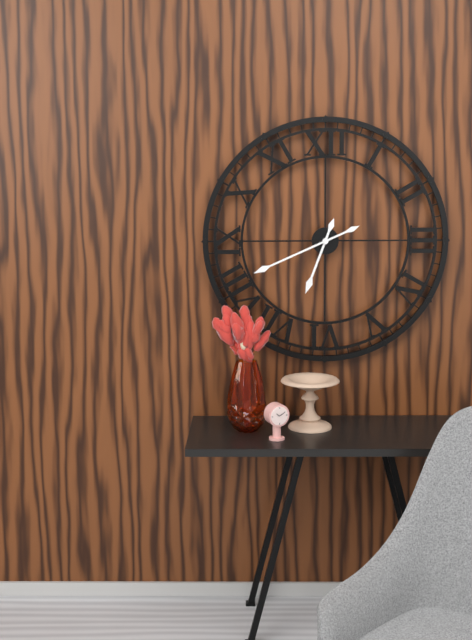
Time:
**6:41**
